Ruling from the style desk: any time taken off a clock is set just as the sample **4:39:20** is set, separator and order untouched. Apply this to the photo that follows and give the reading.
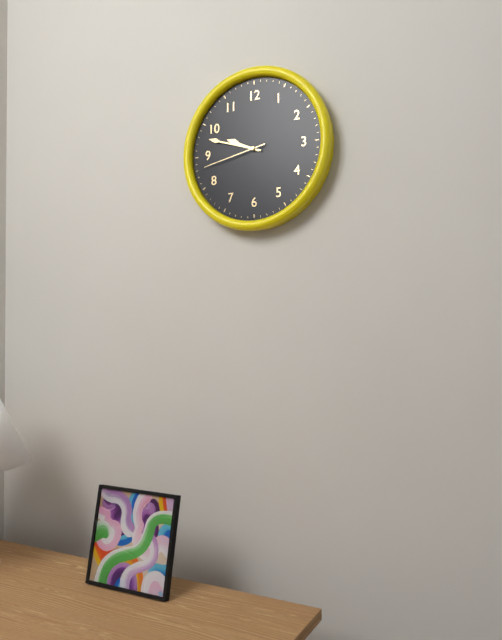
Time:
**9:48:43**
